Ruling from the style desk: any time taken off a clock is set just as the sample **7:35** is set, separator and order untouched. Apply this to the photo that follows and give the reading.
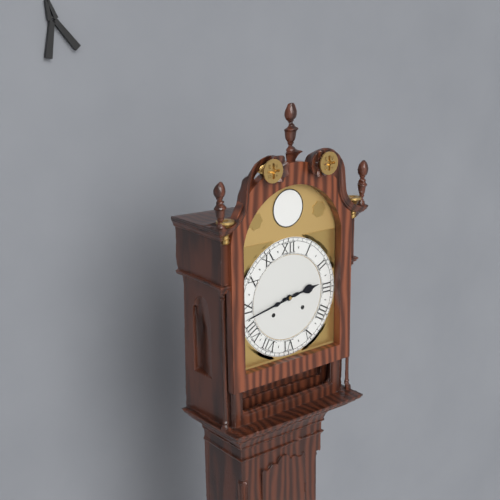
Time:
**2:43**
